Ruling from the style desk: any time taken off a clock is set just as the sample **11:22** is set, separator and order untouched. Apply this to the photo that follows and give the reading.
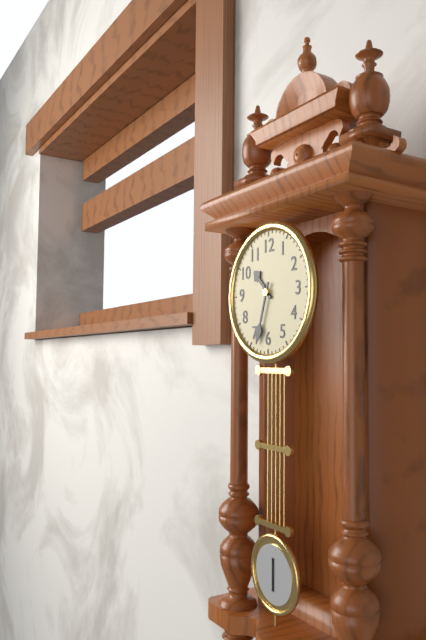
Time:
**10:33**
